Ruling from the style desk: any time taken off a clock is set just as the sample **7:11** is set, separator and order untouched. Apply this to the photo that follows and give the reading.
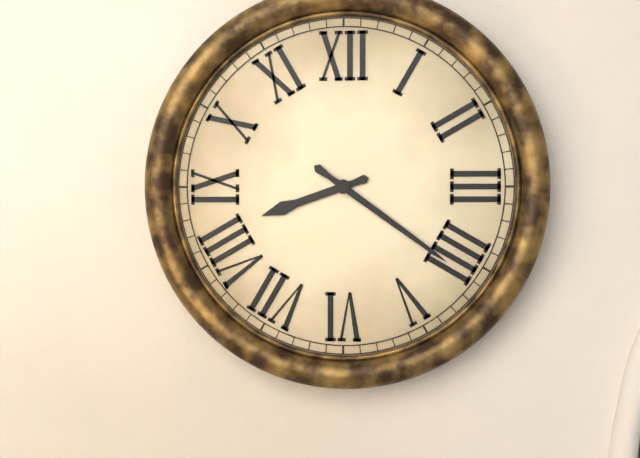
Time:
**8:21**
